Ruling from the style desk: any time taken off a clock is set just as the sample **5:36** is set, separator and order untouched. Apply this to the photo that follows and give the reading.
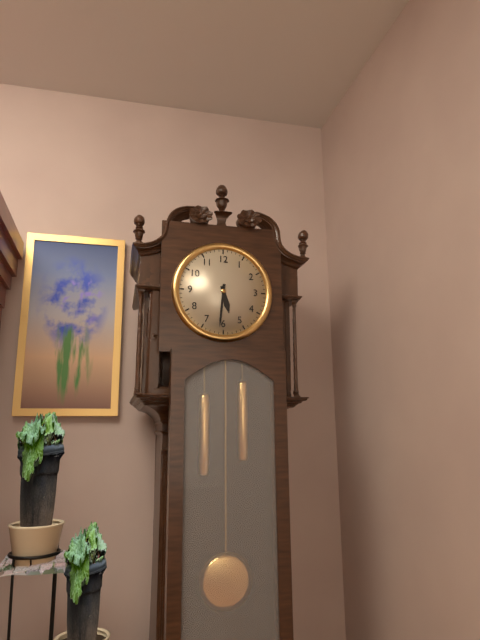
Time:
**5:31**
